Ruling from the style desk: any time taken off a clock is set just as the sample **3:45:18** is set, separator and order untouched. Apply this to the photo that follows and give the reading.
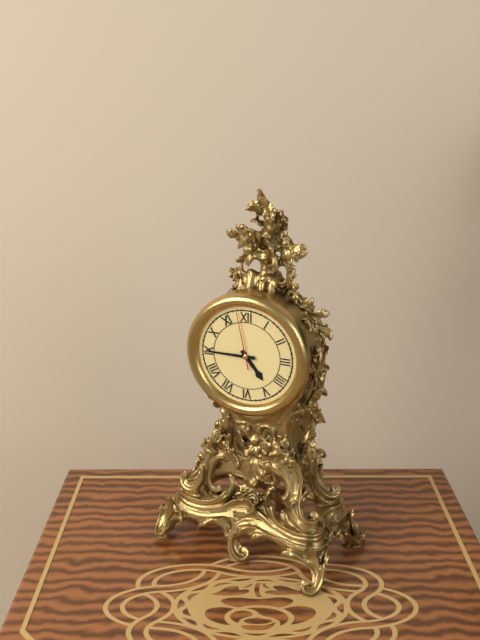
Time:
**4:45:58**
